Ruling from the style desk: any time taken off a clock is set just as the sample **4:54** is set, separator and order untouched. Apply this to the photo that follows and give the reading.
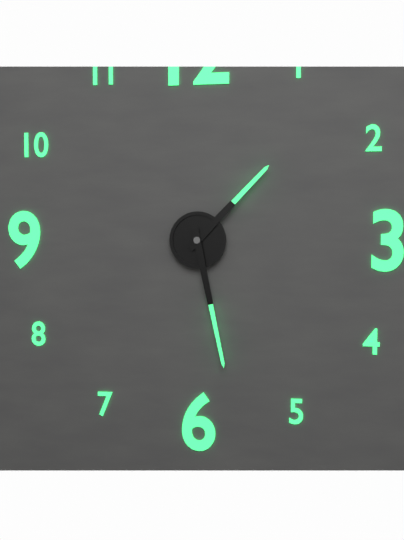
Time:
**1:28**
